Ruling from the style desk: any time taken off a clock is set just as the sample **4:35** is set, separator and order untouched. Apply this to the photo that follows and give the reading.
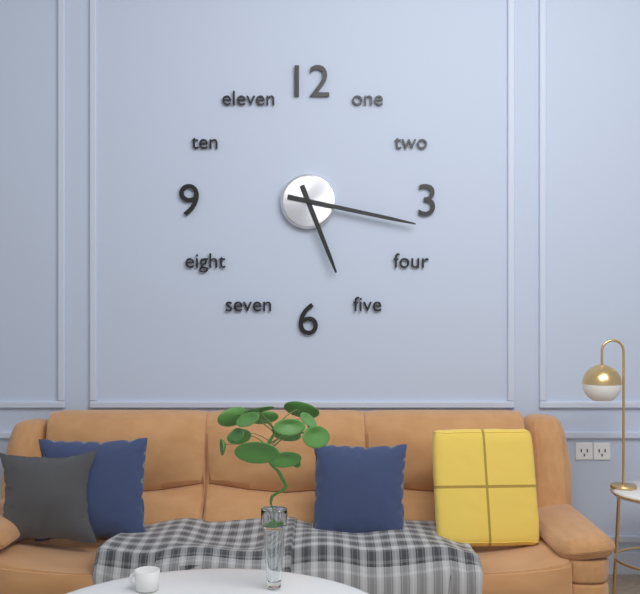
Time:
**5:17**
